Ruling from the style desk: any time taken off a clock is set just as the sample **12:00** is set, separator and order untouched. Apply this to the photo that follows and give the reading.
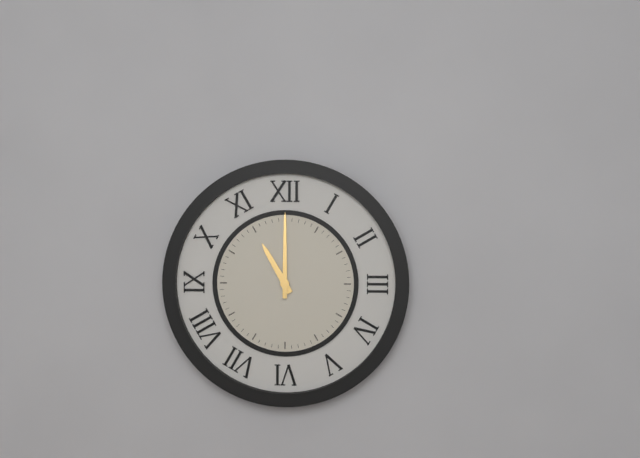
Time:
**11:00**
